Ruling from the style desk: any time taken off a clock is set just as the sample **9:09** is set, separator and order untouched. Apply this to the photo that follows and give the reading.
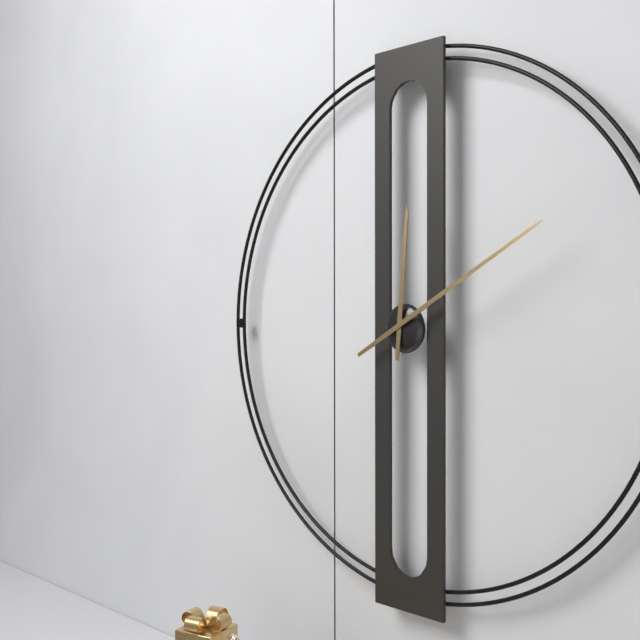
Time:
**12:10**
